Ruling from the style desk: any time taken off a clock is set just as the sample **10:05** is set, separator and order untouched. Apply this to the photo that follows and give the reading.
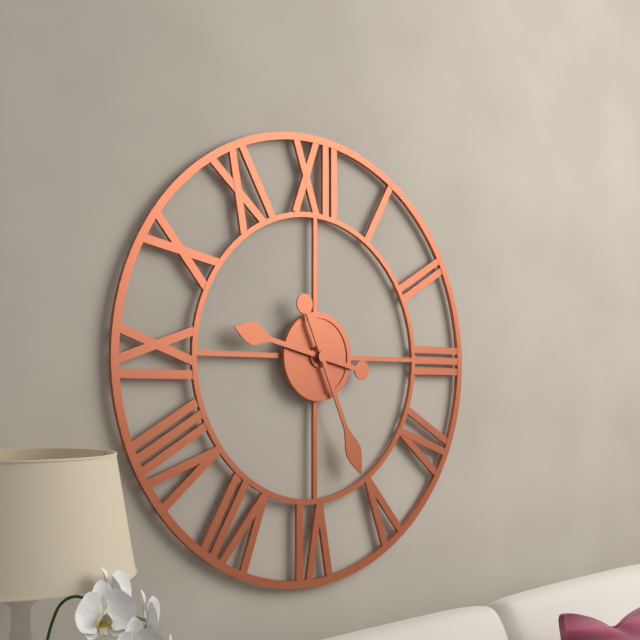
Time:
**9:26**
